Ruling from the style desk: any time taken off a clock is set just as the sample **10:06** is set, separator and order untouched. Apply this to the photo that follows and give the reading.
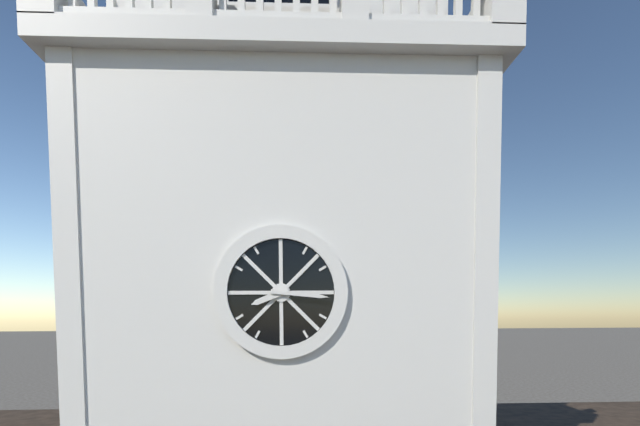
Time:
**8:16**
